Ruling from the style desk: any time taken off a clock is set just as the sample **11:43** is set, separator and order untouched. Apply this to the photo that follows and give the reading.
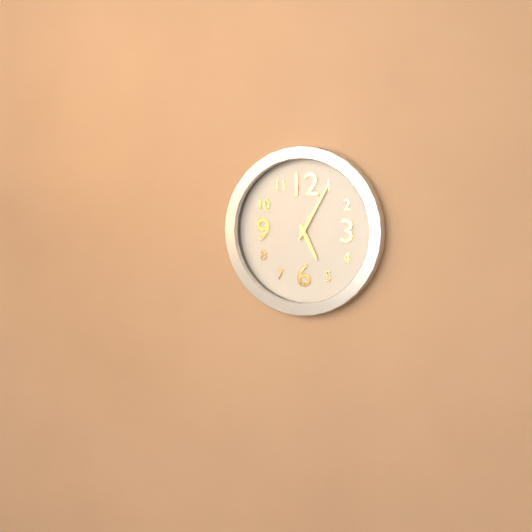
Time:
**5:05**
